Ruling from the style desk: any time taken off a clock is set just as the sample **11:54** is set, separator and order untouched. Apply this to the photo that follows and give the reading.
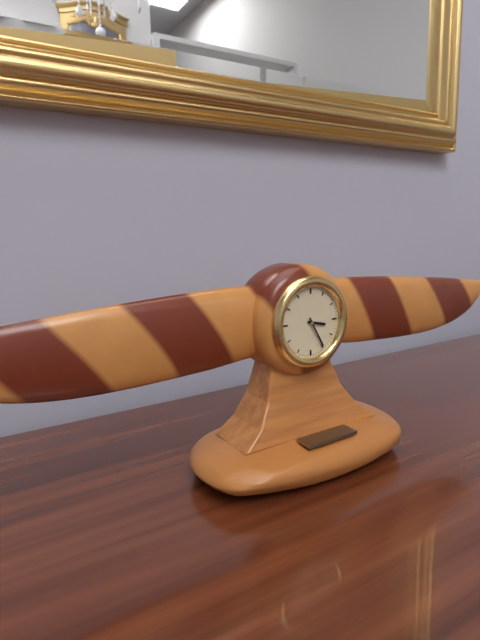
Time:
**3:25**
